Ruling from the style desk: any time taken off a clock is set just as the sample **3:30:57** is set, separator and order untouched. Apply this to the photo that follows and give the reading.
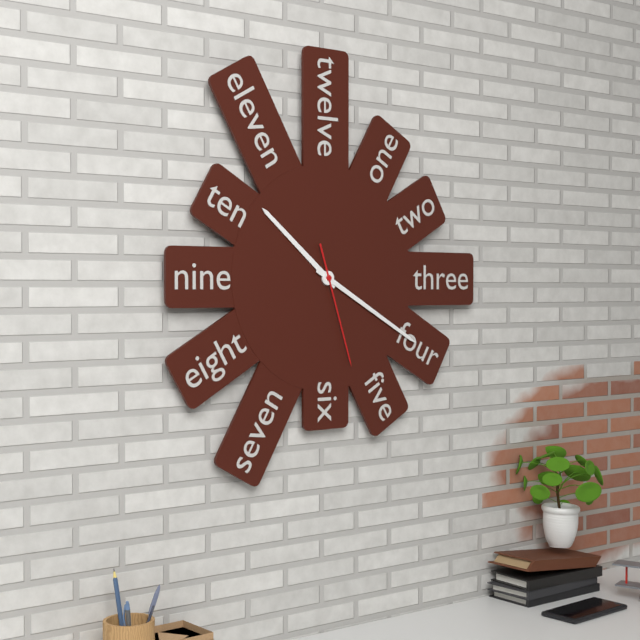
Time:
**10:20:27**
